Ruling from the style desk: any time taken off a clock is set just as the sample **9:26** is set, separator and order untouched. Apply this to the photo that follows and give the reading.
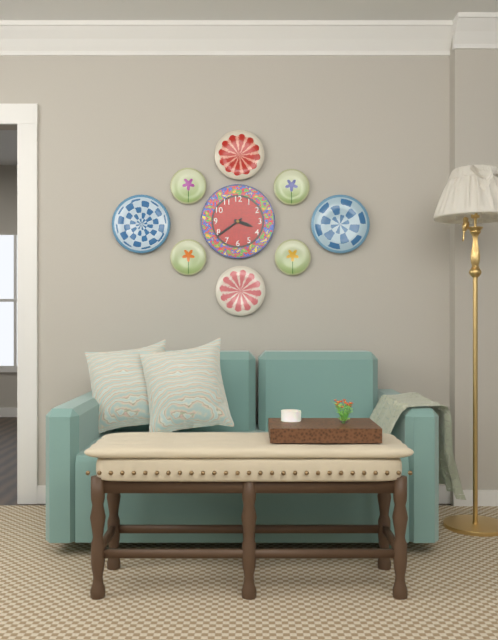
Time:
**3:39**
